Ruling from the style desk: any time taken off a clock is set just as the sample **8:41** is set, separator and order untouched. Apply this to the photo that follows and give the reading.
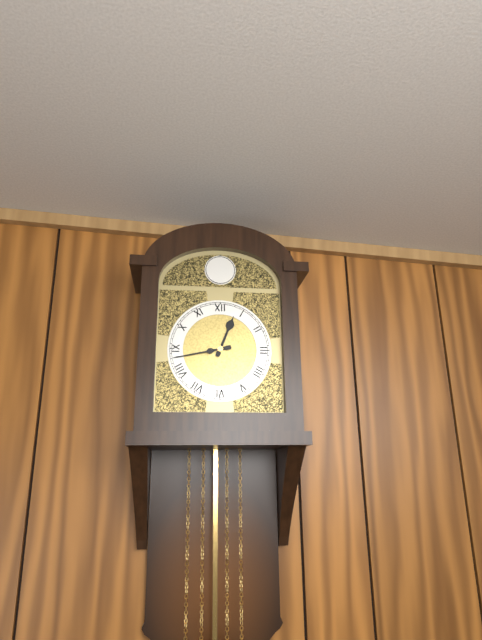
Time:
**12:43**
